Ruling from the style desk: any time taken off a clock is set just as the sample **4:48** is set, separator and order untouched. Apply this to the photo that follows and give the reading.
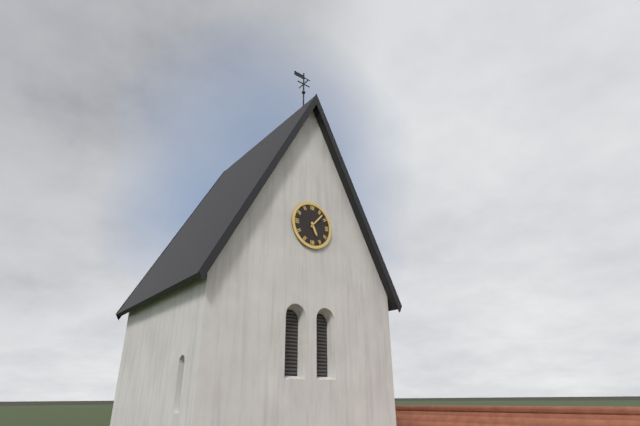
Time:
**5:07**
